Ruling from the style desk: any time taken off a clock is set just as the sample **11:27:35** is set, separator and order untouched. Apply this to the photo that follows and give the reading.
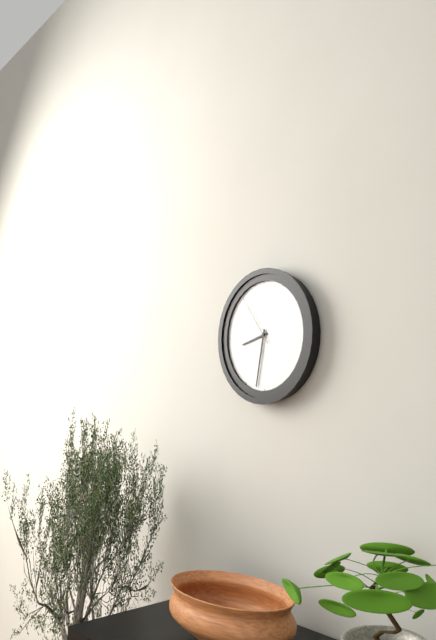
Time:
**8:32:54**
